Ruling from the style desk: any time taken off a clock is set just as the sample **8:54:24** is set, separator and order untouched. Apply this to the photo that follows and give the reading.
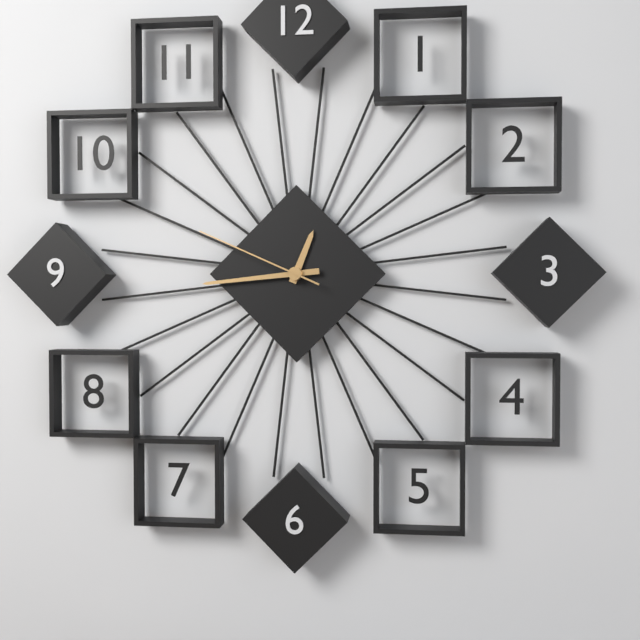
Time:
**12:44:49**
